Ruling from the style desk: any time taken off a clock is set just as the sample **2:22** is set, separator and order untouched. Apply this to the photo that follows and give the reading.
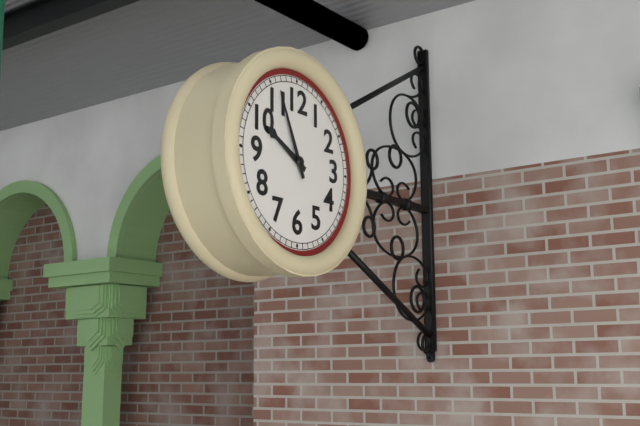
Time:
**9:56**
